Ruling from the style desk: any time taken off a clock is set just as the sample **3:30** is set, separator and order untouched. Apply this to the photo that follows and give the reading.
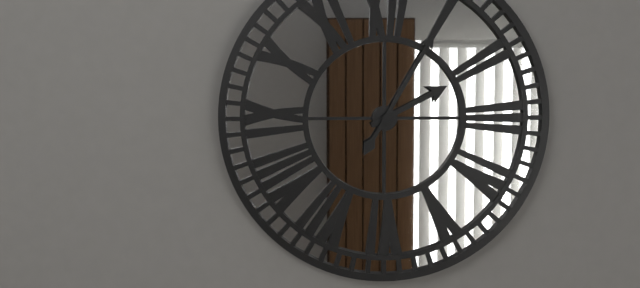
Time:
**2:05**
